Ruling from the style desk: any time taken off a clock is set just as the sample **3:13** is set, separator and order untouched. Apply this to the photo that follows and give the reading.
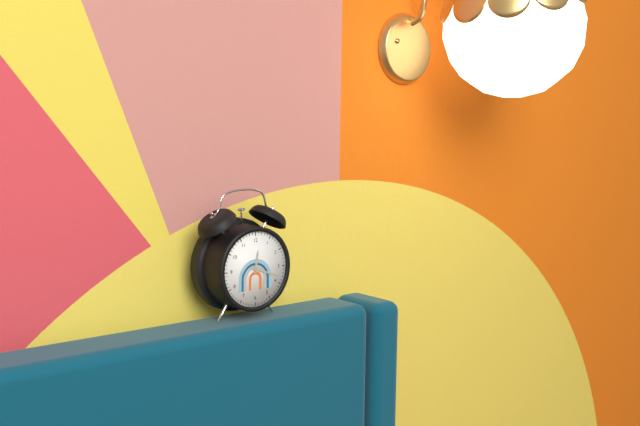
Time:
**12:18**
